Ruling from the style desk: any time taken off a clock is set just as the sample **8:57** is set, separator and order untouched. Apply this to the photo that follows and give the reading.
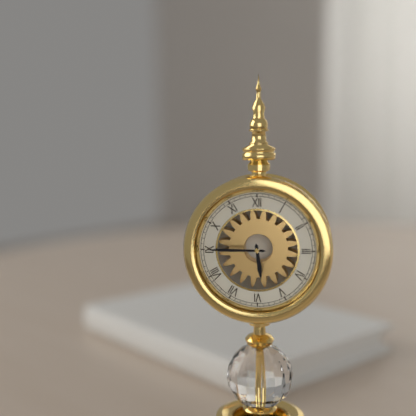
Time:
**5:45**
